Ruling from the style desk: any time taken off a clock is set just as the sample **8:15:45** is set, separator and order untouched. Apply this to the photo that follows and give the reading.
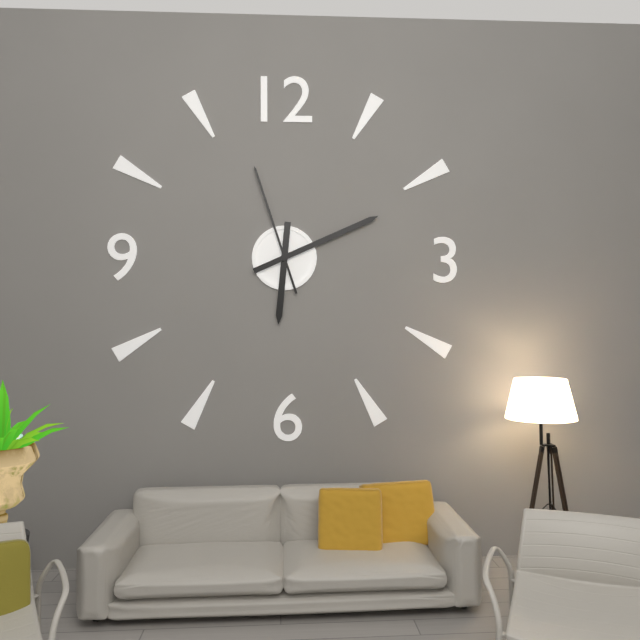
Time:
**6:11:57**
